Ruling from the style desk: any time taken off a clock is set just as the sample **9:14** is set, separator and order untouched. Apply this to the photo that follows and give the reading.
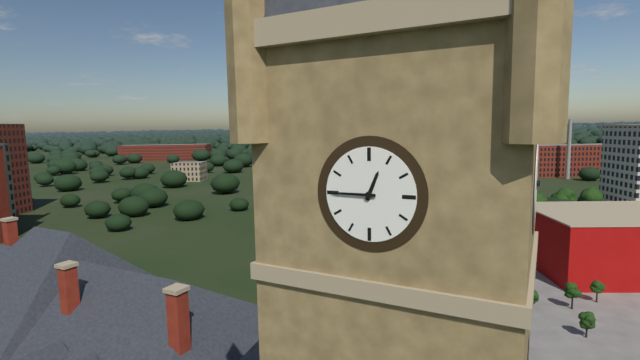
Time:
**12:45**
